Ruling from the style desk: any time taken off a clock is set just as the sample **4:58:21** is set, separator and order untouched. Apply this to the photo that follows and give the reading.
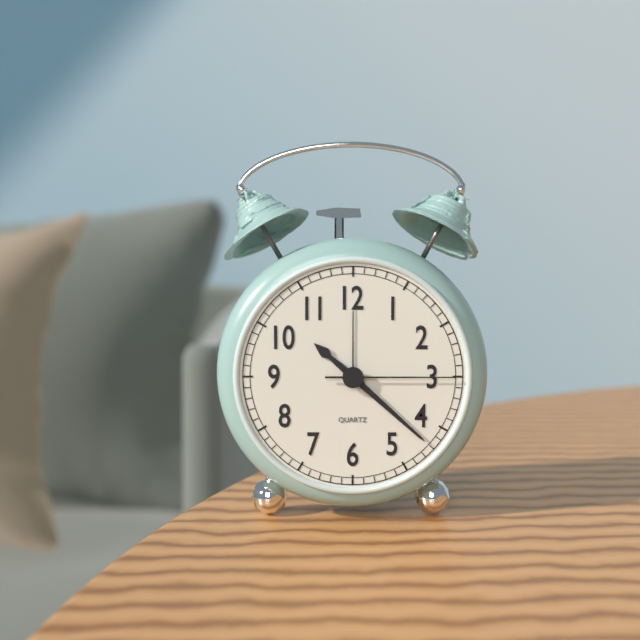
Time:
**10:22:15**
